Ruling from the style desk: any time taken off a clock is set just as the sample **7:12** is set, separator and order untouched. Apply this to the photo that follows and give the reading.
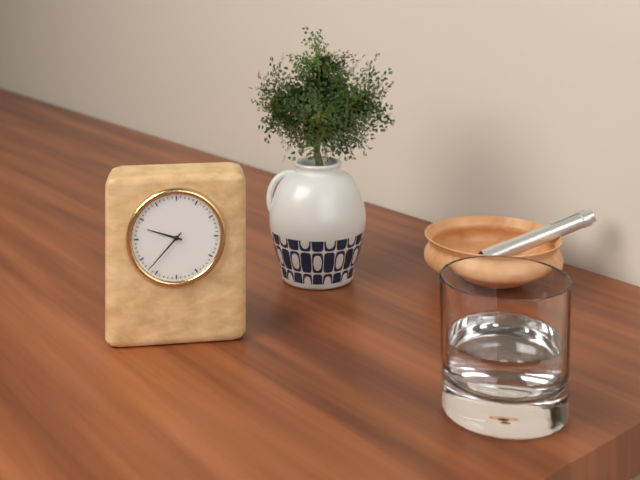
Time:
**9:37**
